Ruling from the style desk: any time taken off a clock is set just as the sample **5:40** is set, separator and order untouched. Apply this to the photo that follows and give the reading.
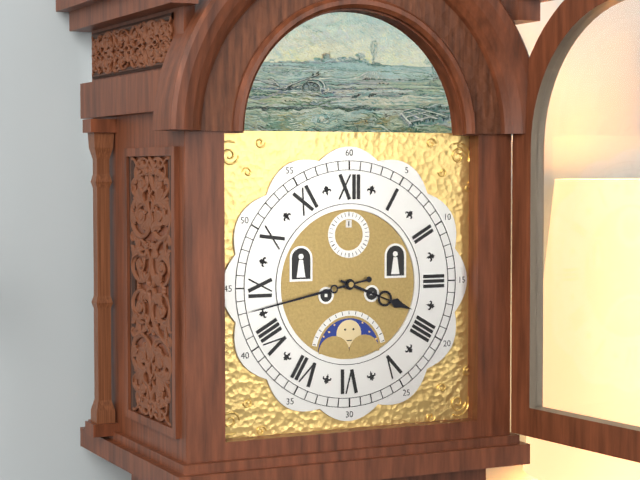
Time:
**3:43**
